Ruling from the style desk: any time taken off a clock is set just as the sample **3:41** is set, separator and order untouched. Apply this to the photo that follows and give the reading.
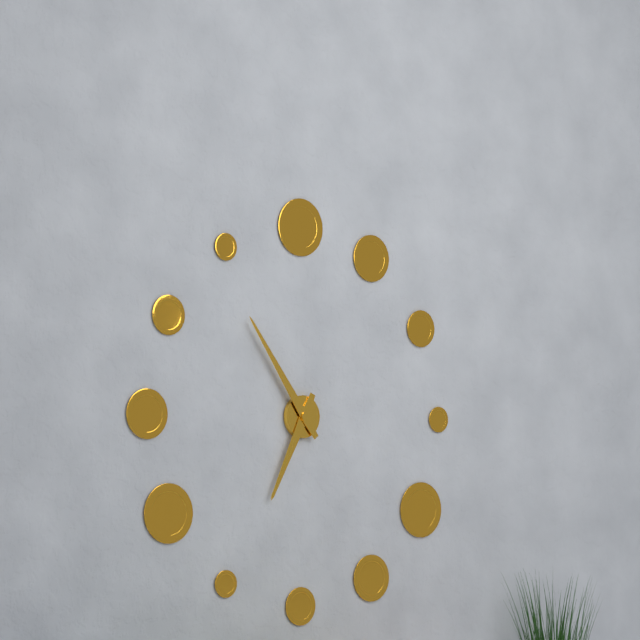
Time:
**6:54**
